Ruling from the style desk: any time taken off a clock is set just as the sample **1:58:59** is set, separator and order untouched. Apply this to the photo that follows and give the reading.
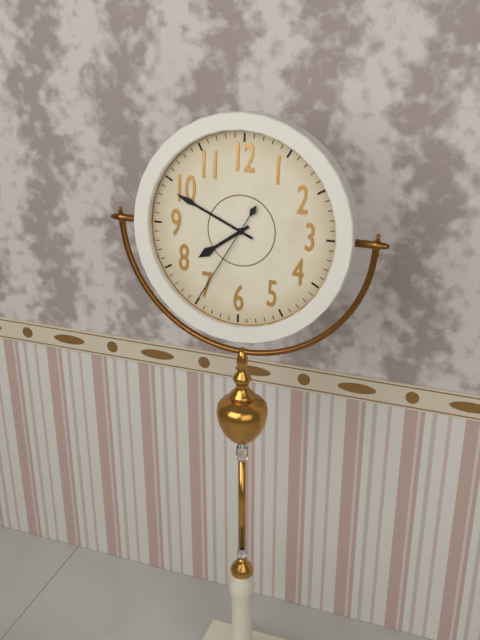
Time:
**7:49:35**
